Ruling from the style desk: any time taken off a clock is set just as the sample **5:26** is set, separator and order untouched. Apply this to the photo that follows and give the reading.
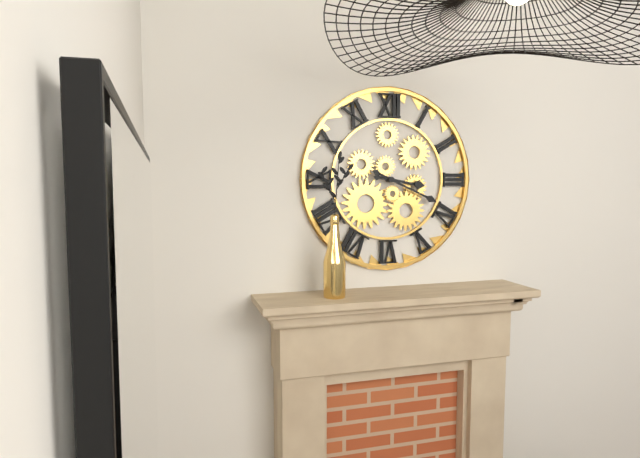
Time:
**3:19**
